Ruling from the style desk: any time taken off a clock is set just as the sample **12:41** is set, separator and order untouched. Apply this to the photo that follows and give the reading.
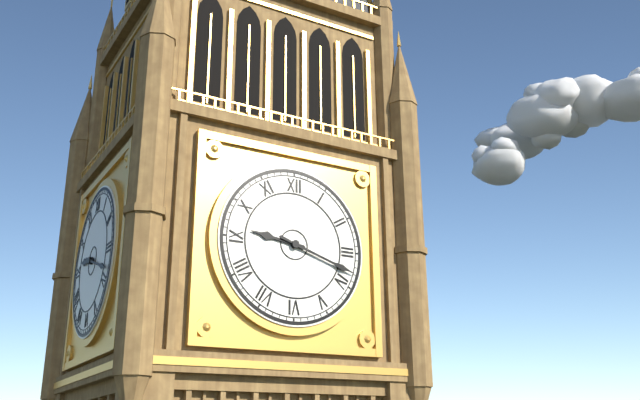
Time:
**9:18**
